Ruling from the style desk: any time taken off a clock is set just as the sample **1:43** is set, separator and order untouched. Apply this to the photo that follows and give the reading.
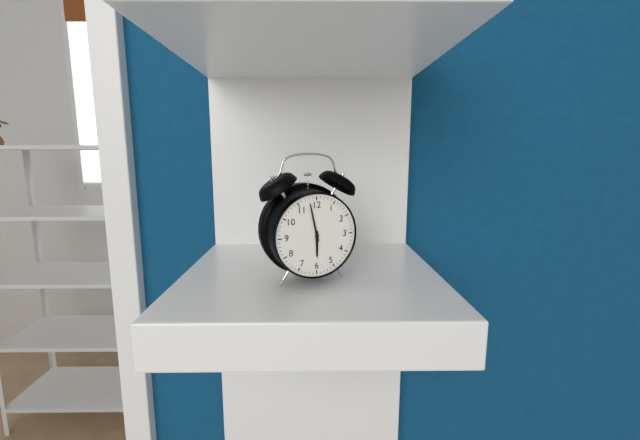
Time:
**5:58**
